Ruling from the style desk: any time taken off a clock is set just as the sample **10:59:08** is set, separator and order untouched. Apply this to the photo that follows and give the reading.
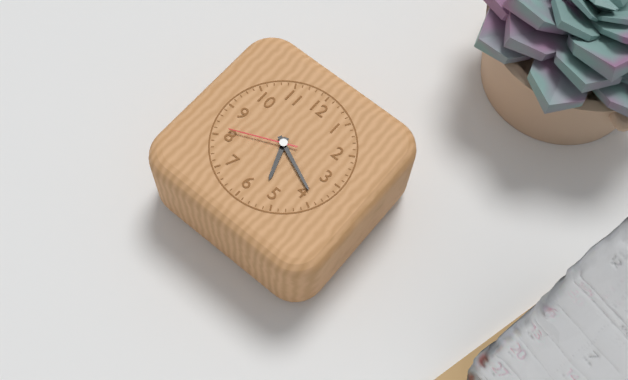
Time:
**5:19:41**
